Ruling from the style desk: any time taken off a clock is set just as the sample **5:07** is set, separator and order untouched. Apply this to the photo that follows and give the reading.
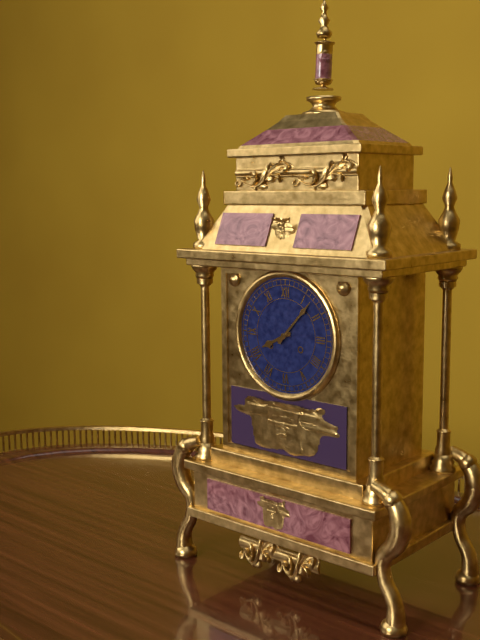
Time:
**8:07**
